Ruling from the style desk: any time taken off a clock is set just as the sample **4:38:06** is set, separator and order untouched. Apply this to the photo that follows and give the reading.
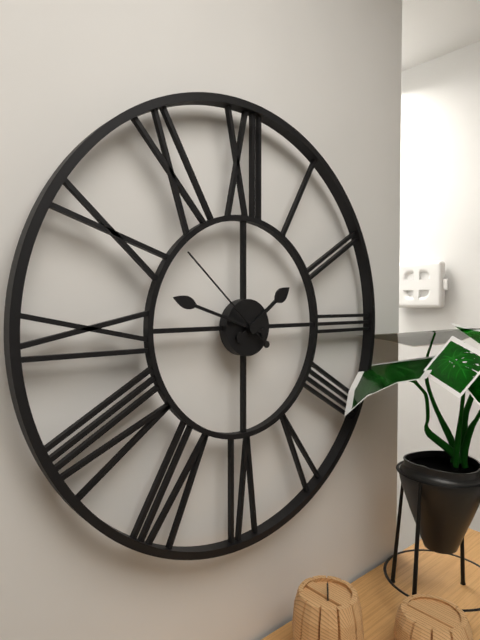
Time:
**1:48:52**
